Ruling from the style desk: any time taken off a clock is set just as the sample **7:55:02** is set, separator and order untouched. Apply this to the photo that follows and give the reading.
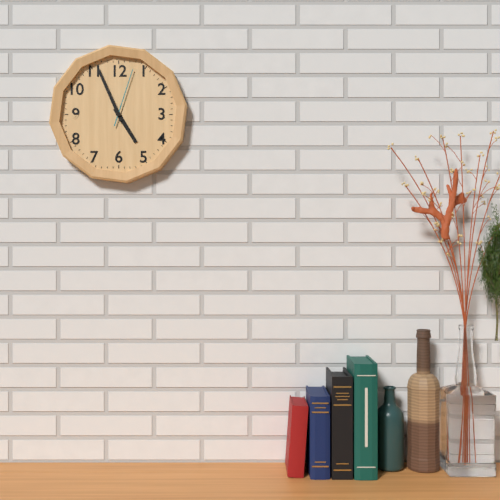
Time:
**4:56:03**
